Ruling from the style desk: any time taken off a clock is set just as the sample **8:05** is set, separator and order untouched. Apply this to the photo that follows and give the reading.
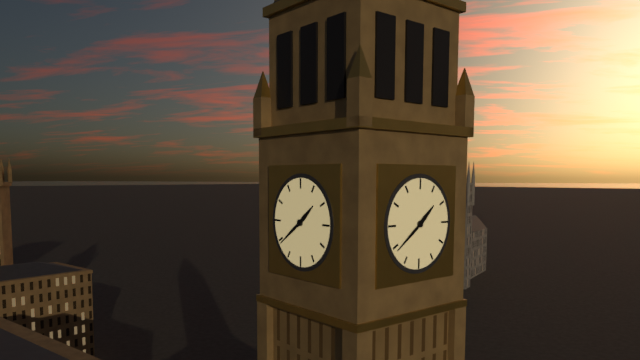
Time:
**1:39**
